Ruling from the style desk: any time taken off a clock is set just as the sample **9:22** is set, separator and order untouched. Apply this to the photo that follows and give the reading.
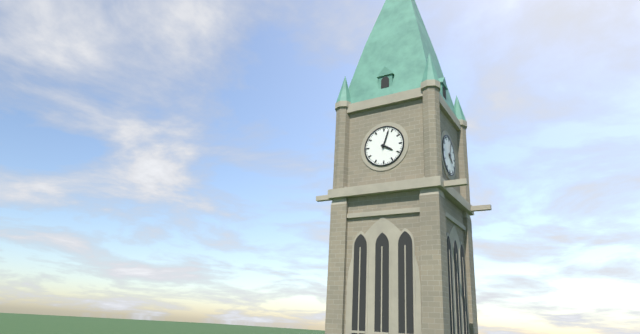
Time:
**4:03**
